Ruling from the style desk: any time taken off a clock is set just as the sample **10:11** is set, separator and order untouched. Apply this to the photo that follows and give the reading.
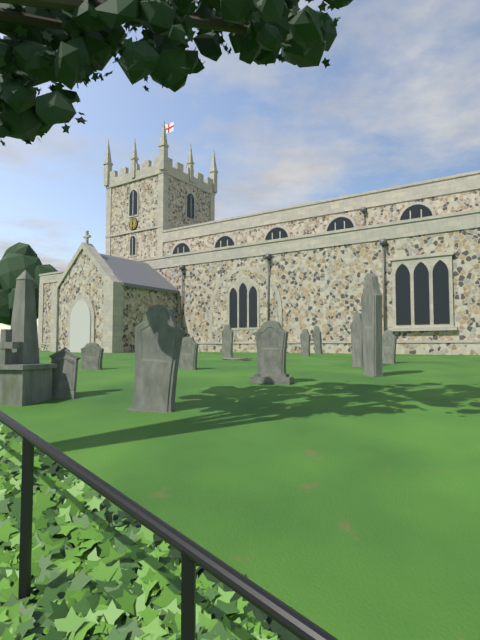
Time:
**12:29**
